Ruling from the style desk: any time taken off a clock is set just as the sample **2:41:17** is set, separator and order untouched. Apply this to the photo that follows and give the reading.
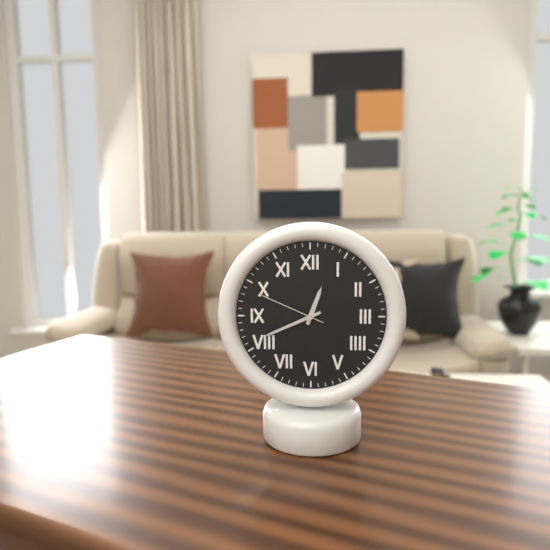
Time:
**12:41:49**
